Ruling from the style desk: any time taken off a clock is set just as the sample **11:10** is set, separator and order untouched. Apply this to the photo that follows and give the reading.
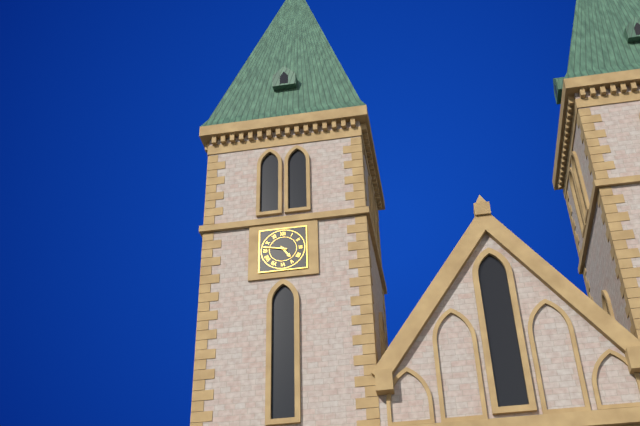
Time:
**4:47**
